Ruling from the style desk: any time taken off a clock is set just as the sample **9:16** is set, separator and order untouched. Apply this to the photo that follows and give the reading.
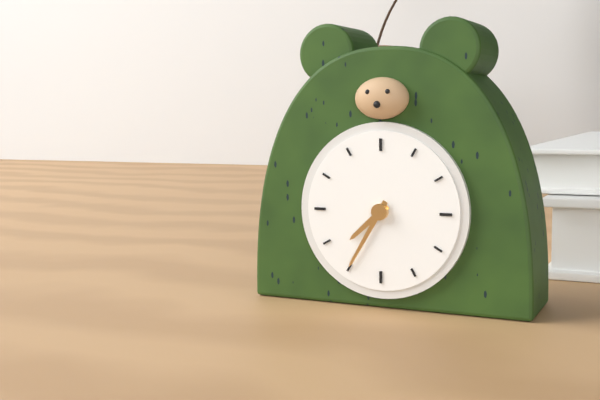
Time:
**7:35**
